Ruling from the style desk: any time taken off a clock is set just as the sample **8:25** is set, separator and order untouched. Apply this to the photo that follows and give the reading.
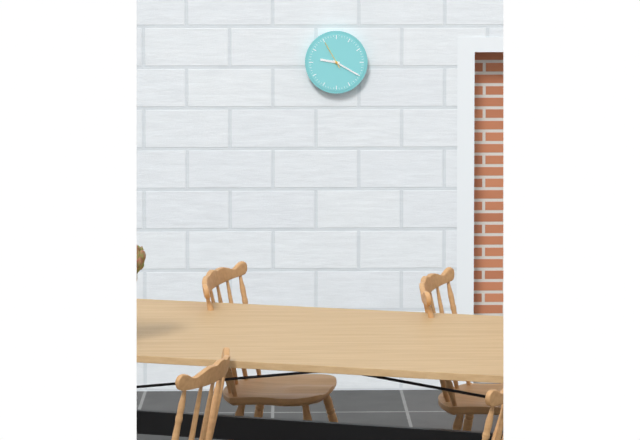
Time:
**9:20**
